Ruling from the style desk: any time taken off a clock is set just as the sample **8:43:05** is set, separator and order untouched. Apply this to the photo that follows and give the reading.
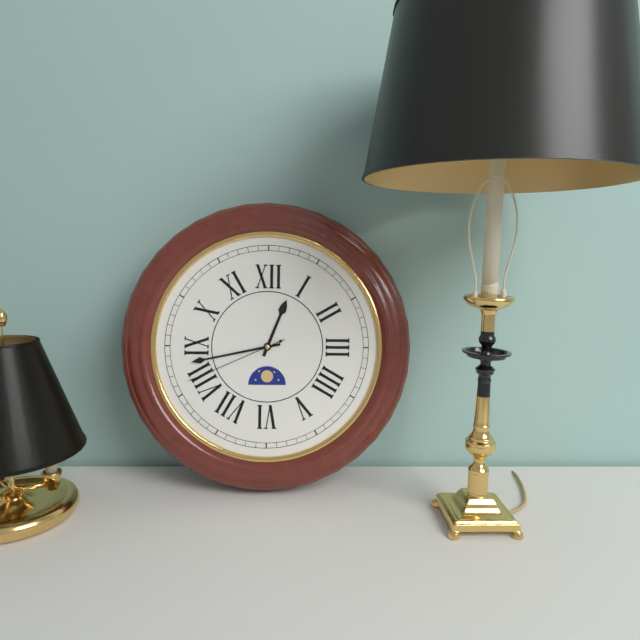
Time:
**12:43:41**
